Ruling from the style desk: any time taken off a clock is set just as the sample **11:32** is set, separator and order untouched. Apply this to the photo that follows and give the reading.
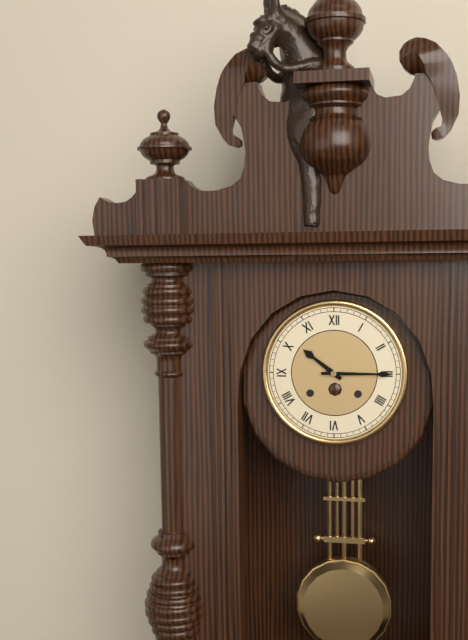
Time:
**10:15**
